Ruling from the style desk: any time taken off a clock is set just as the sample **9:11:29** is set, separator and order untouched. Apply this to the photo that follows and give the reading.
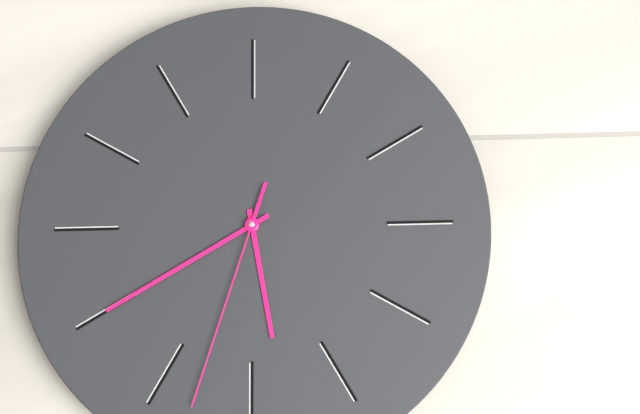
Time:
**5:40:33**
